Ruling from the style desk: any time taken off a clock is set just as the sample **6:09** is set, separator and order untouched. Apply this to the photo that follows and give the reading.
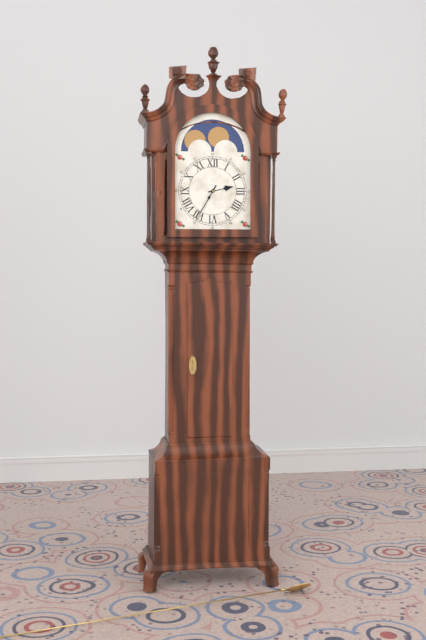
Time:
**2:35**
